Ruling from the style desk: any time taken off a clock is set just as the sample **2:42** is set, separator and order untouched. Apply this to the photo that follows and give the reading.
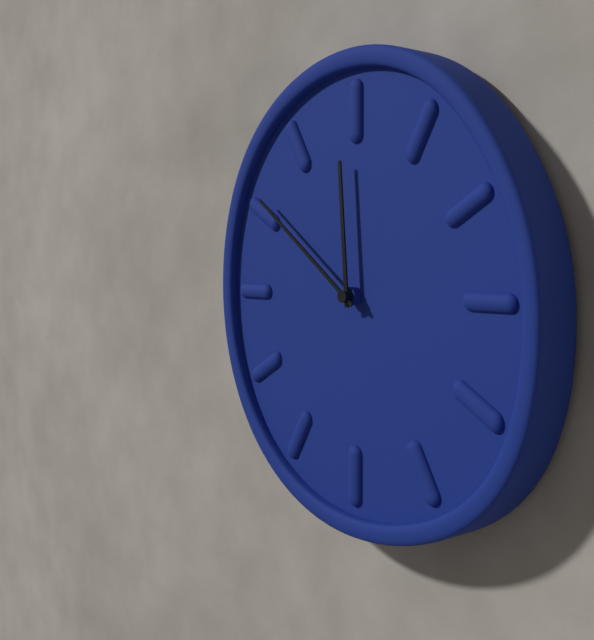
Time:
**11:51**
